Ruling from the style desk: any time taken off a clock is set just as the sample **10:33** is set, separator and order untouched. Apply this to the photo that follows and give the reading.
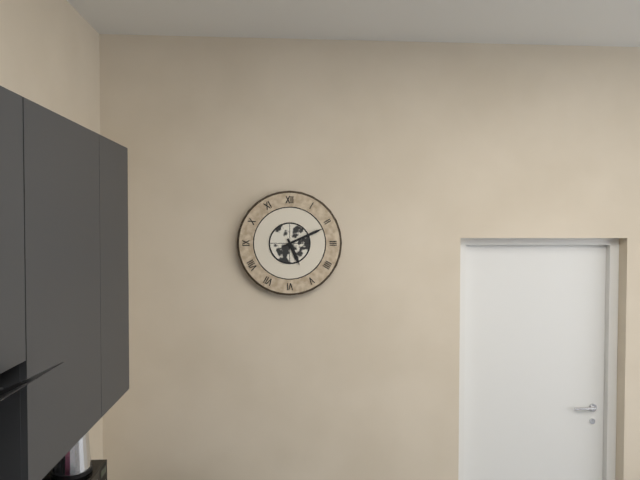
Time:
**5:11**
